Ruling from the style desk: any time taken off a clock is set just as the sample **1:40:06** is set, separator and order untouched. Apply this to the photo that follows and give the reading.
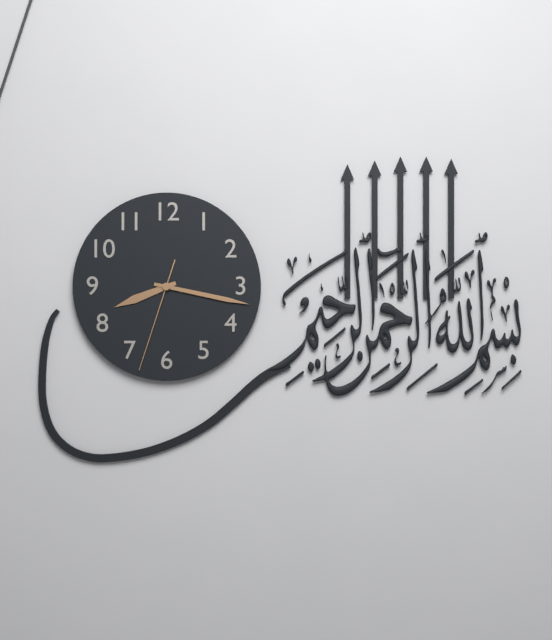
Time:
**8:17:33**
